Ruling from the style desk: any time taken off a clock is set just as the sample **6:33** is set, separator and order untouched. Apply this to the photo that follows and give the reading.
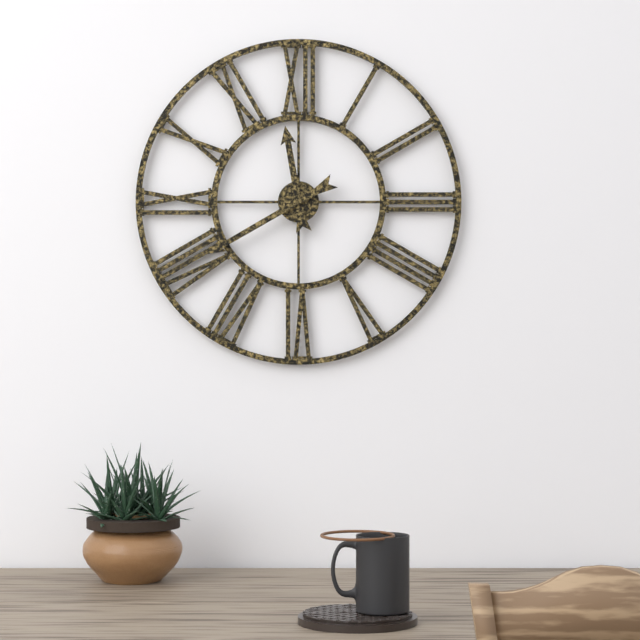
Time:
**11:40**
